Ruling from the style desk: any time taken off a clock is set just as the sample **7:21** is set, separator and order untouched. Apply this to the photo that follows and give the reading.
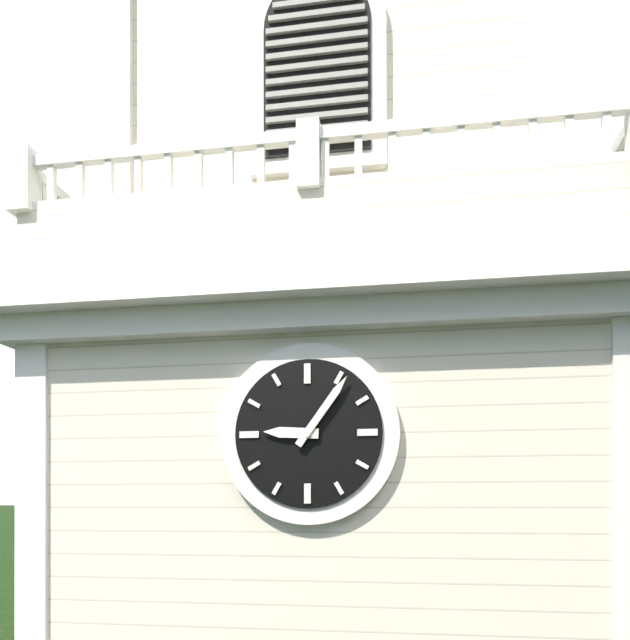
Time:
**9:06**
